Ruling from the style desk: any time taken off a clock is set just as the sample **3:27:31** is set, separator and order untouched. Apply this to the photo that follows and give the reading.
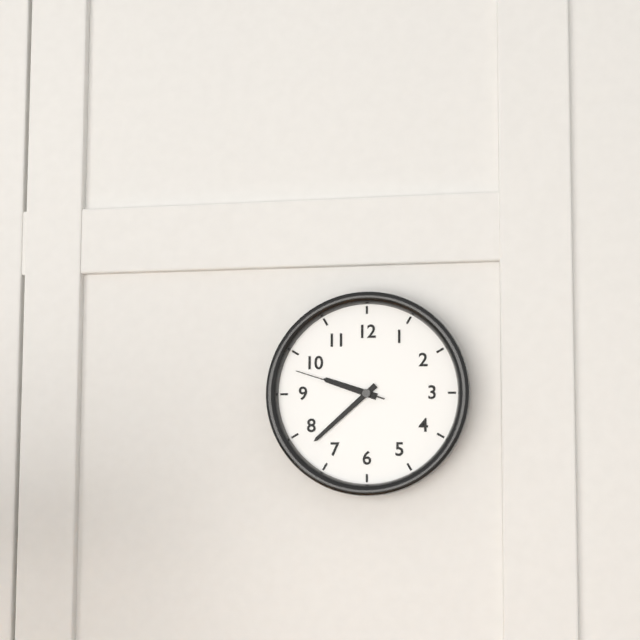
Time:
**9:38:48**
